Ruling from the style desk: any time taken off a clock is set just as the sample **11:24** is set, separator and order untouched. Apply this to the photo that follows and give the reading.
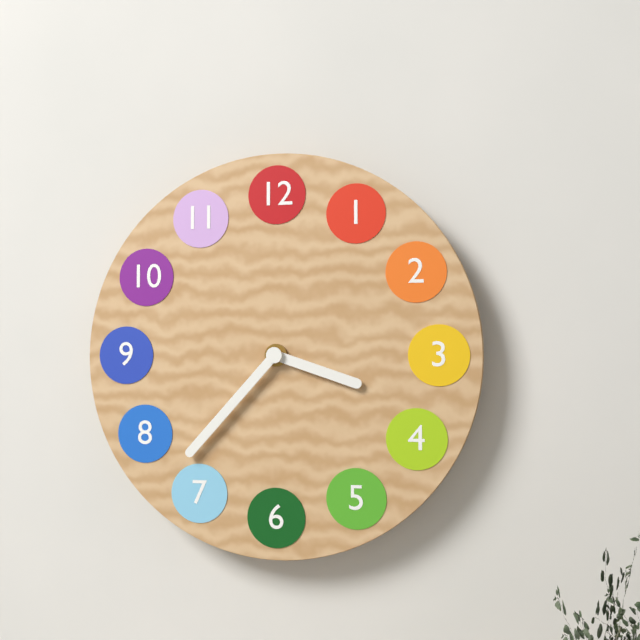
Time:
**3:37**
